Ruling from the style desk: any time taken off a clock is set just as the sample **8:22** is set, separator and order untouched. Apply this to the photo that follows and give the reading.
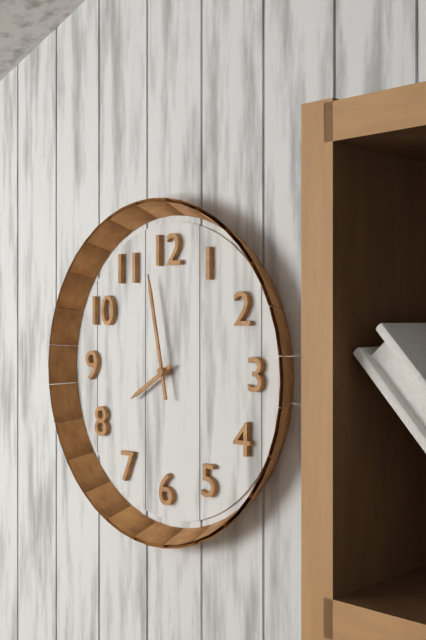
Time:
**7:58**
